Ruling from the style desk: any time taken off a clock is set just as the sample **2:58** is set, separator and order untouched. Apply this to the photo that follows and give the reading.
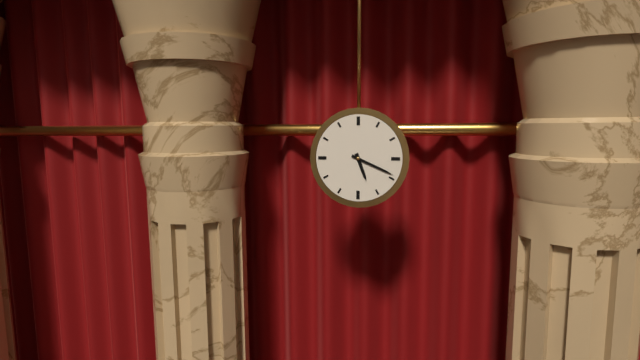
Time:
**5:19**
